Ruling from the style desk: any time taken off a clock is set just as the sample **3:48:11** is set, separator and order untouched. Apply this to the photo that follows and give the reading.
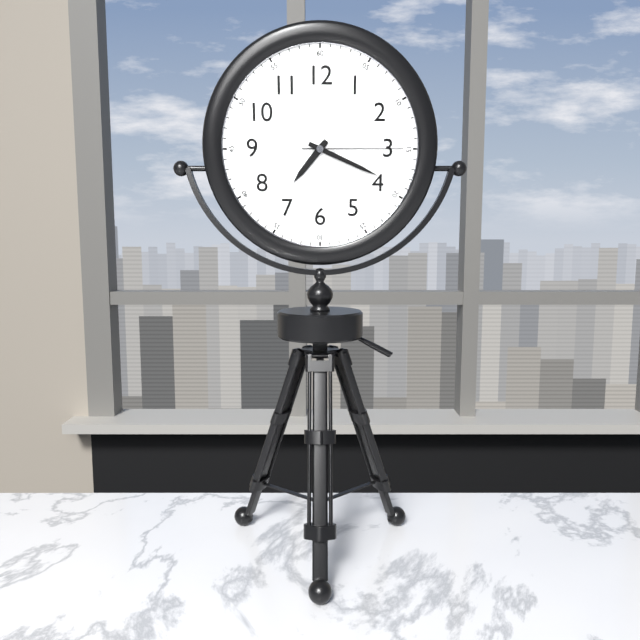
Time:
**7:19:15**
